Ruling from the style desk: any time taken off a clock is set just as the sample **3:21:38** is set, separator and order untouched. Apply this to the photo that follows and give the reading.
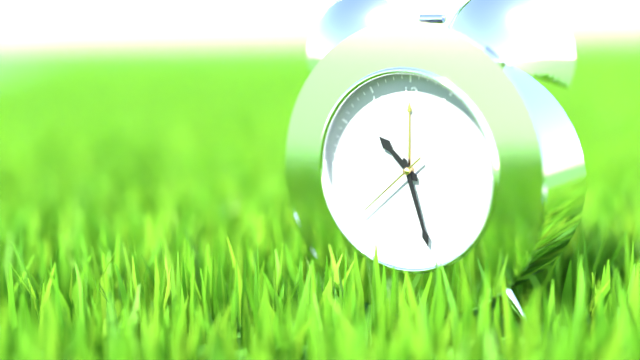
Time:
**10:27:38**
